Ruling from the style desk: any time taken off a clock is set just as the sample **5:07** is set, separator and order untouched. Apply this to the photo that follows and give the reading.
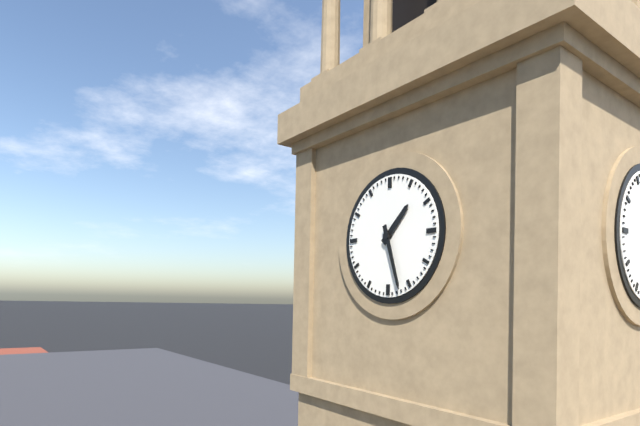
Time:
**1:27**
